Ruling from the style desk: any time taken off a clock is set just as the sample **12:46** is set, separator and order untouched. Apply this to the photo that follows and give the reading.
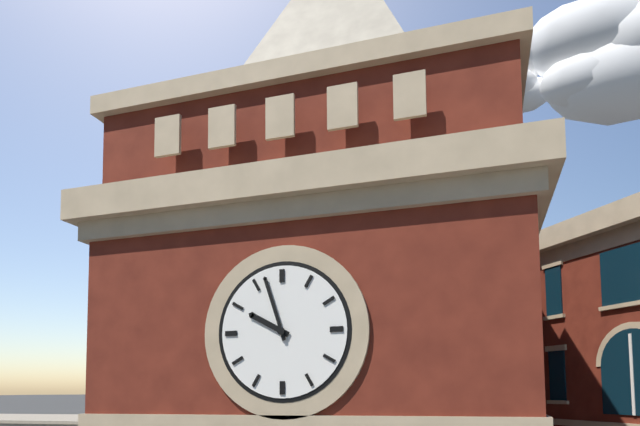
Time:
**9:57**
